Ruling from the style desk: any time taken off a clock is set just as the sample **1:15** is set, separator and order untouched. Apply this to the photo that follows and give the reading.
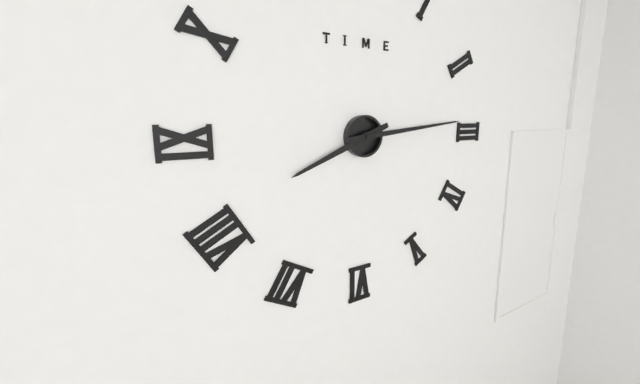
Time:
**8:14**
